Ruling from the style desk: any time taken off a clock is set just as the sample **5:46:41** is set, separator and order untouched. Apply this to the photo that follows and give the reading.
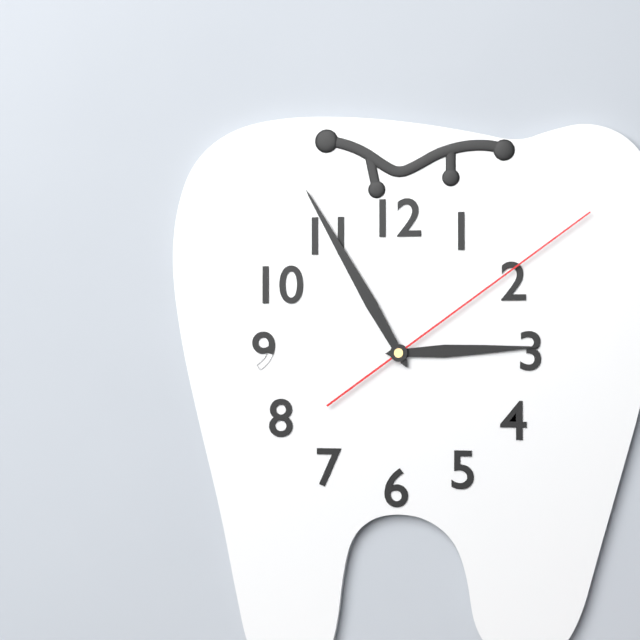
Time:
**2:55:09**
